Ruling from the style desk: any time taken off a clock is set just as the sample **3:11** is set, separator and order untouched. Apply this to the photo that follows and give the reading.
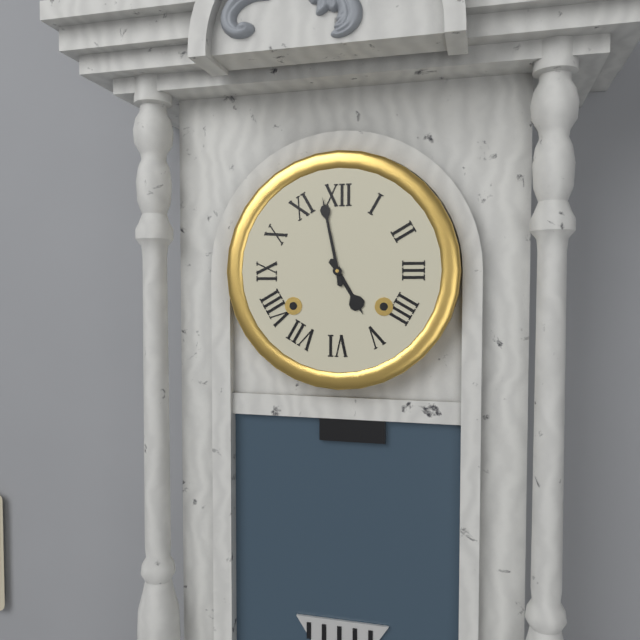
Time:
**4:58**
